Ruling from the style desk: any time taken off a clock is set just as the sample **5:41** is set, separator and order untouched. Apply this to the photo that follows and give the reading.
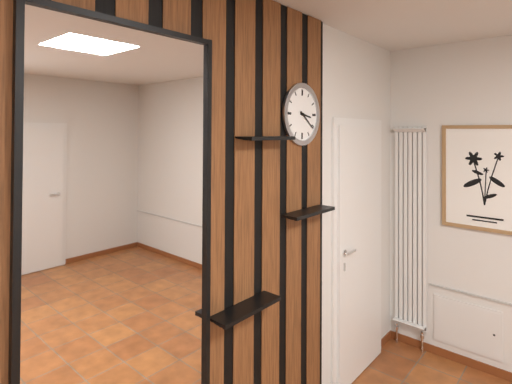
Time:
**3:21**
